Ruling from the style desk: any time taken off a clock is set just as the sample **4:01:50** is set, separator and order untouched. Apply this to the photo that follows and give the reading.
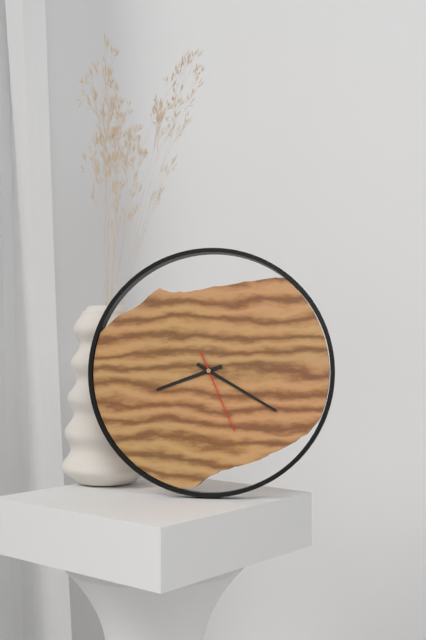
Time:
**8:20:26**
